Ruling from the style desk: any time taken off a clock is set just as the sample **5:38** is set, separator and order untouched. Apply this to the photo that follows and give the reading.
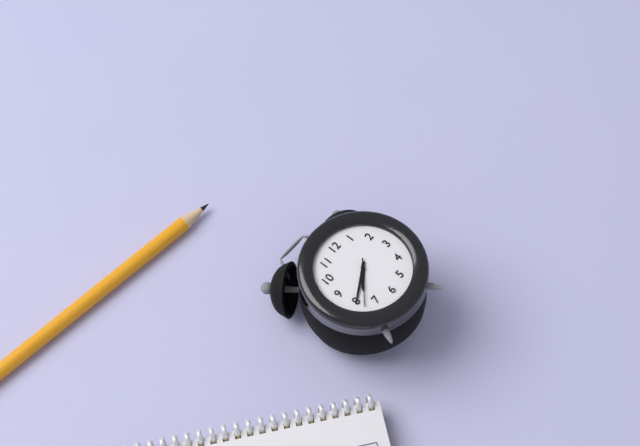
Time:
**7:40**
